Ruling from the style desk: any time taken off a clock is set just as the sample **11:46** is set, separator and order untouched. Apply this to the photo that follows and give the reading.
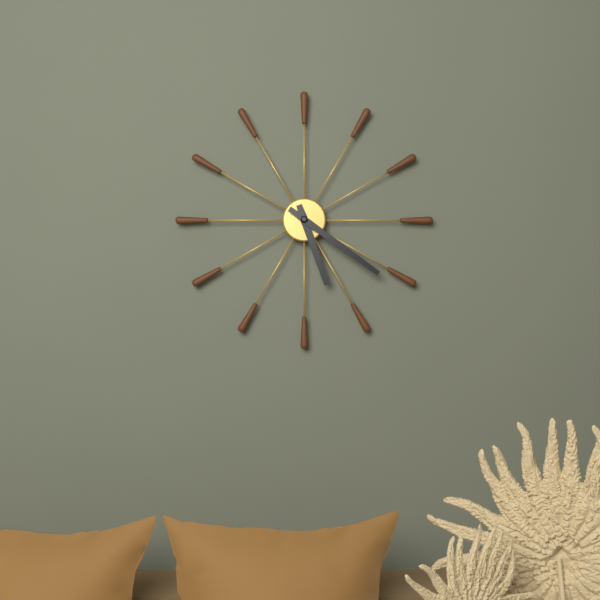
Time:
**5:21**
